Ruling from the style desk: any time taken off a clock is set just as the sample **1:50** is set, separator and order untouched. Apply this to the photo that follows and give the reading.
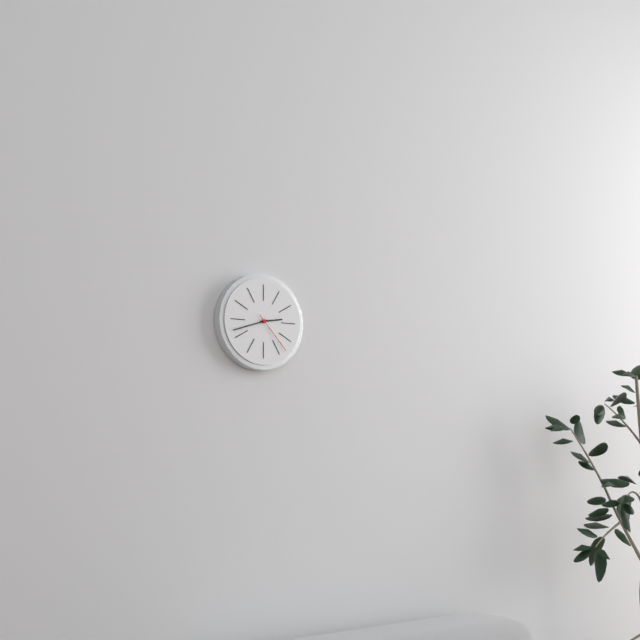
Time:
**2:42**
